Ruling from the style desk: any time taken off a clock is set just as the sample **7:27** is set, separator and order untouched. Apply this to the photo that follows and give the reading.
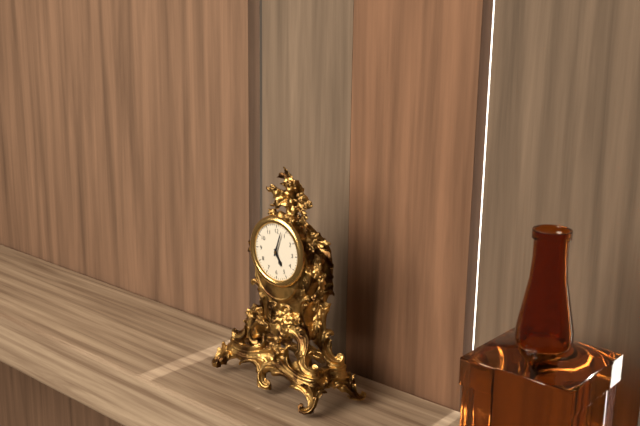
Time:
**5:03**
